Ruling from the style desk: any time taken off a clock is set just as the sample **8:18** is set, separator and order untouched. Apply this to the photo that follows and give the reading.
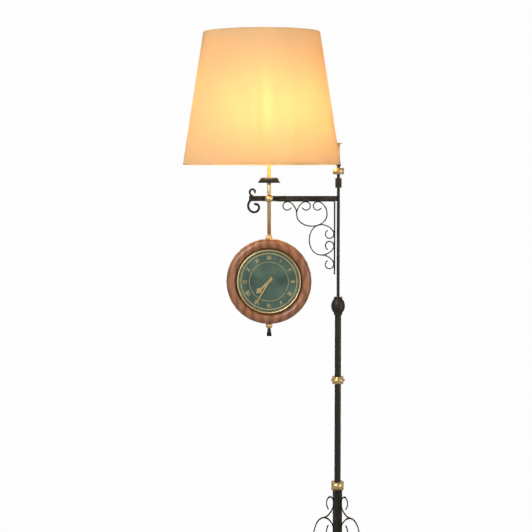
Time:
**7:35**
